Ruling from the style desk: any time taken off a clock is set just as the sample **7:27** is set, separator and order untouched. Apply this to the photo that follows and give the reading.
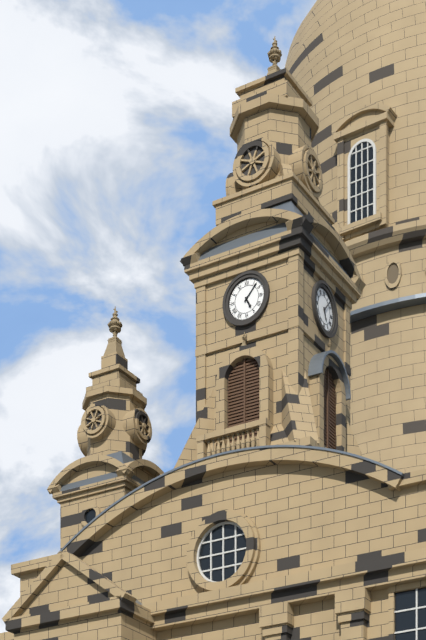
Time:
**5:07**
